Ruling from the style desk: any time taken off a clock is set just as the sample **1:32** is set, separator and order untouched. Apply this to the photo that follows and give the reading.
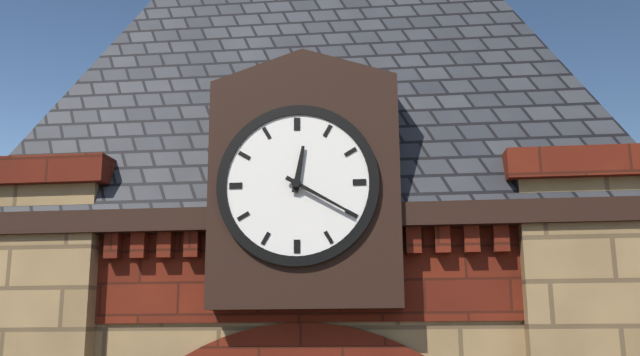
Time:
**12:20**
